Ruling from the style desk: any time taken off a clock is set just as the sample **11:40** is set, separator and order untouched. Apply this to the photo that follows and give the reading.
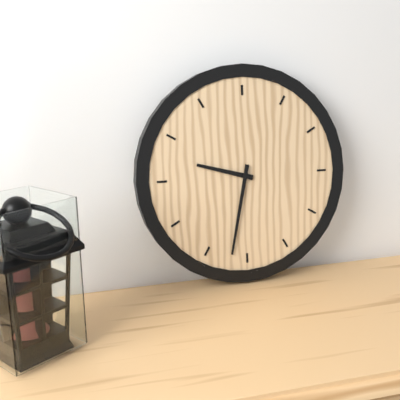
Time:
**9:32**
